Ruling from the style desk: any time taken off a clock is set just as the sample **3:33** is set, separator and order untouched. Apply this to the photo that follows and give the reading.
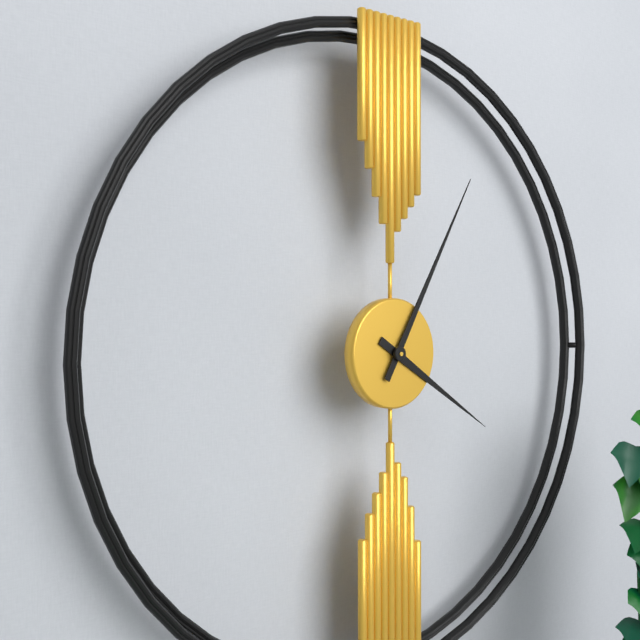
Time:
**4:05**
